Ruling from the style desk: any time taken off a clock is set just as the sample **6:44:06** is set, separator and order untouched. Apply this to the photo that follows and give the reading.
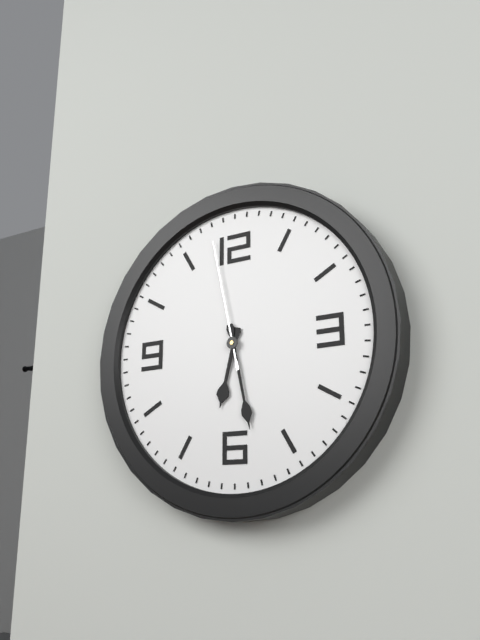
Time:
**6:28:58**
